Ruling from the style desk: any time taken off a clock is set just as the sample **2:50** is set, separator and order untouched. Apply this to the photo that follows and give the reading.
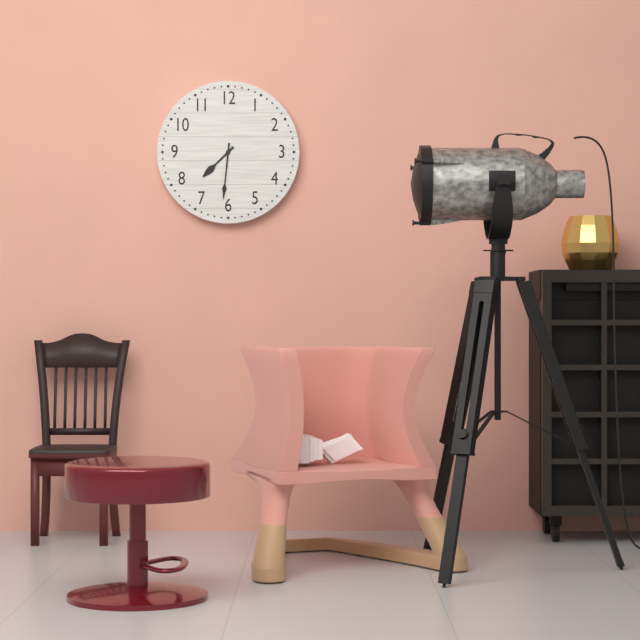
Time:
**7:31**
